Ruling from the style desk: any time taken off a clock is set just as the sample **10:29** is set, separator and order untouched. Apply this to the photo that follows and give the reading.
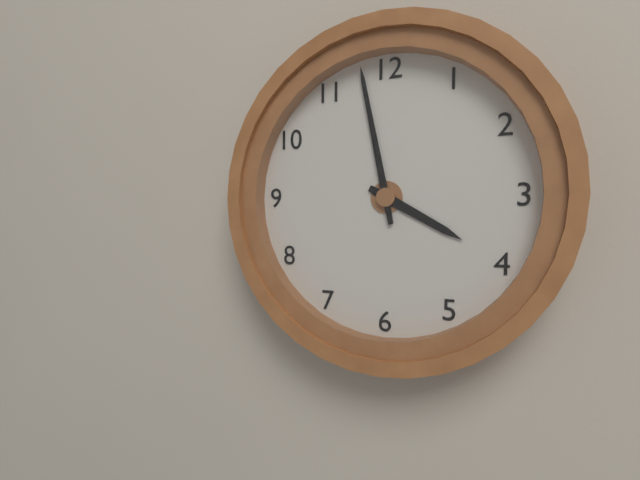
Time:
**3:58**
